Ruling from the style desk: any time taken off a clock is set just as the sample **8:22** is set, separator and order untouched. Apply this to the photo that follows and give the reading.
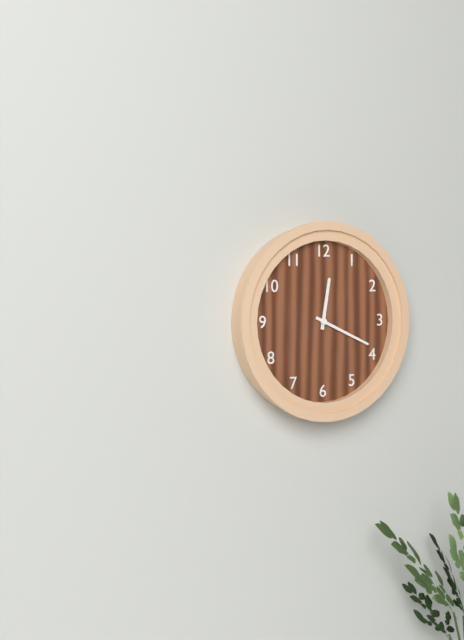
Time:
**12:19**
